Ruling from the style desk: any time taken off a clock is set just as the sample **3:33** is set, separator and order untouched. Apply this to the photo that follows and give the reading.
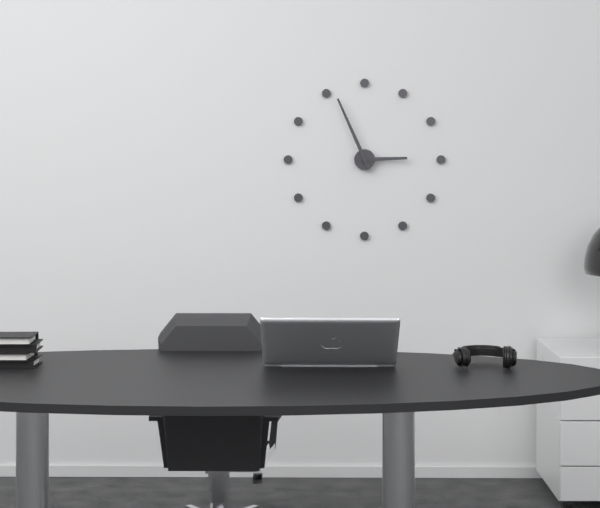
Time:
**2:56**
